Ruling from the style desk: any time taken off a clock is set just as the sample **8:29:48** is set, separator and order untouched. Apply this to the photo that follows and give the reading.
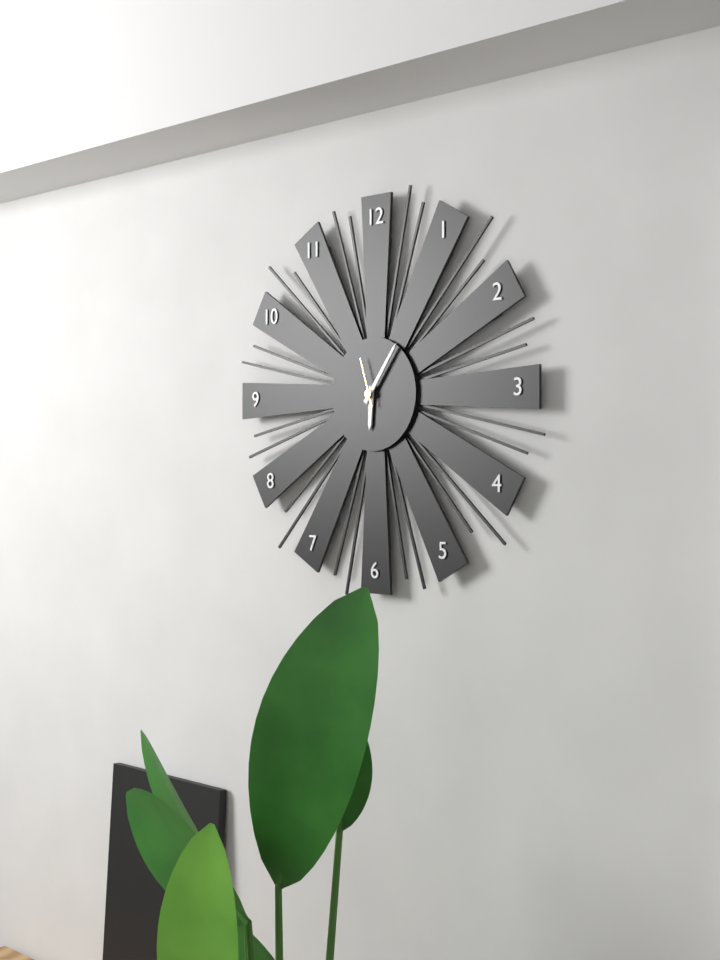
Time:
**6:06:57**
